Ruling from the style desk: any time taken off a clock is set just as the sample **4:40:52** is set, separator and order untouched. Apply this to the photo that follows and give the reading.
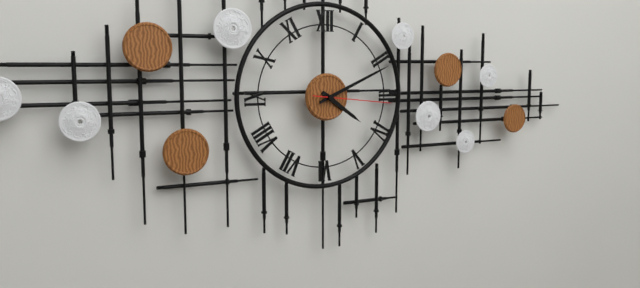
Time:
**4:11:16**
